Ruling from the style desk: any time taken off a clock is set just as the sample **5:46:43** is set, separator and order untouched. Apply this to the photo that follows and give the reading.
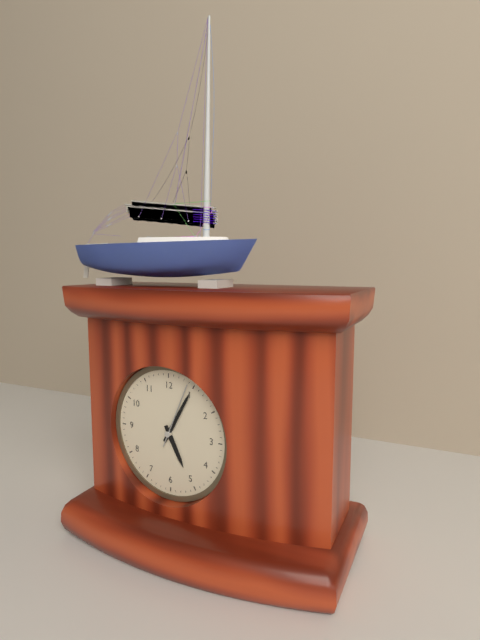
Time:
**5:05:04**
